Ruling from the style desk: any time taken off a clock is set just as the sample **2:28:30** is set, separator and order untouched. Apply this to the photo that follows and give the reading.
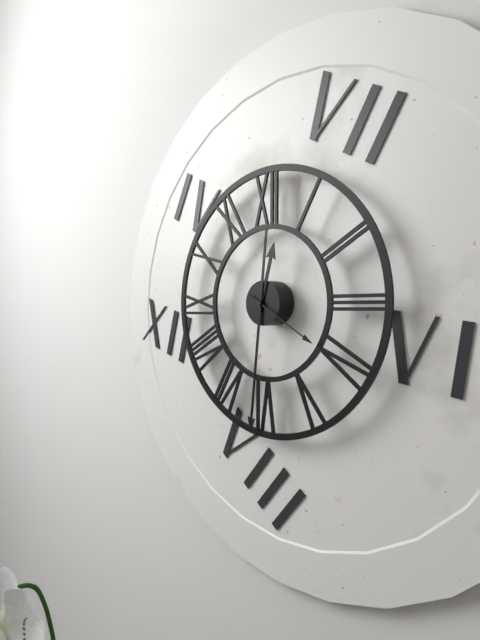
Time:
**12:31:20**
